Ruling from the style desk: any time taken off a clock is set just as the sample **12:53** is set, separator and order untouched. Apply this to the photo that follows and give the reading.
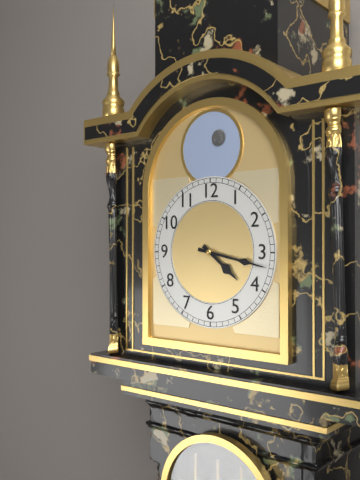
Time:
**4:17**
